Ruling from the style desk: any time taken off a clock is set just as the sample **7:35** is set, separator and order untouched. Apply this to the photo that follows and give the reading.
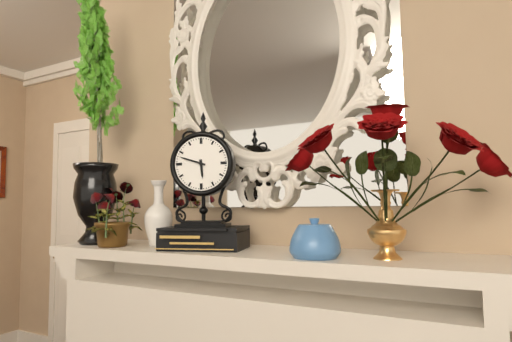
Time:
**5:48**
